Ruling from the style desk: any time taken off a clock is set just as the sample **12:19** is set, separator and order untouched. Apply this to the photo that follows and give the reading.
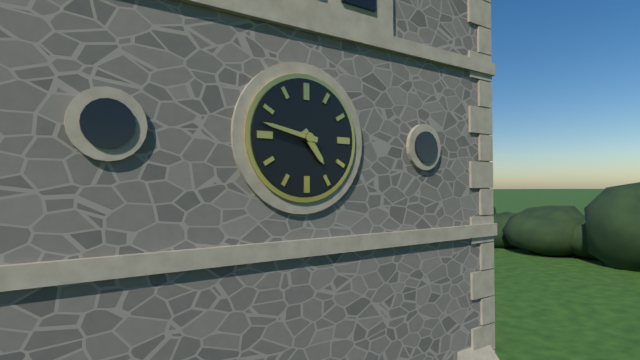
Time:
**4:47**
